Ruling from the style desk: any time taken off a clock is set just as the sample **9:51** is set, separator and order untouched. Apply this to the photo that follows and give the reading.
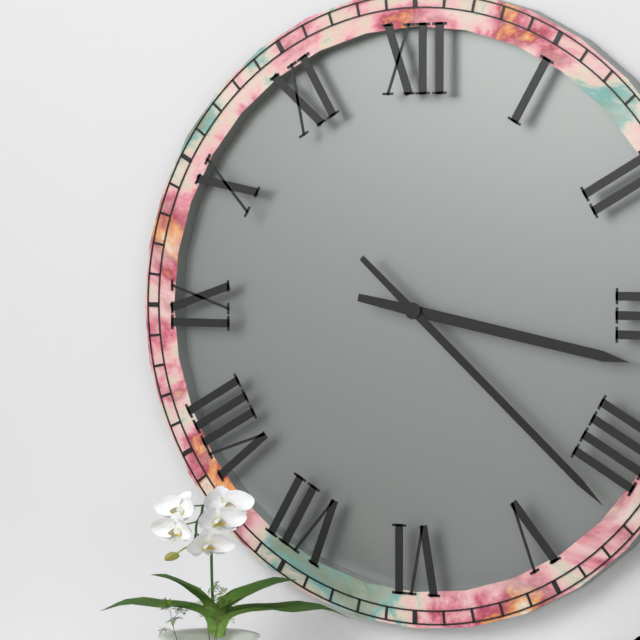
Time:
**3:22**
